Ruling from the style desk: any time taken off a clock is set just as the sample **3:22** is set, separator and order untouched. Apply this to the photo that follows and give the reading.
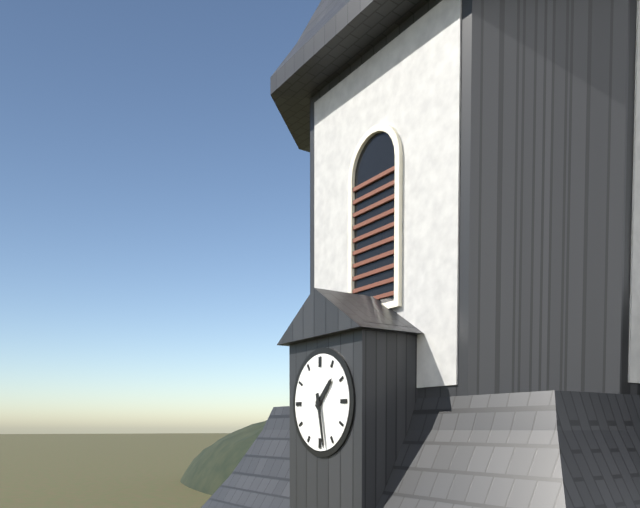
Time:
**1:28**
